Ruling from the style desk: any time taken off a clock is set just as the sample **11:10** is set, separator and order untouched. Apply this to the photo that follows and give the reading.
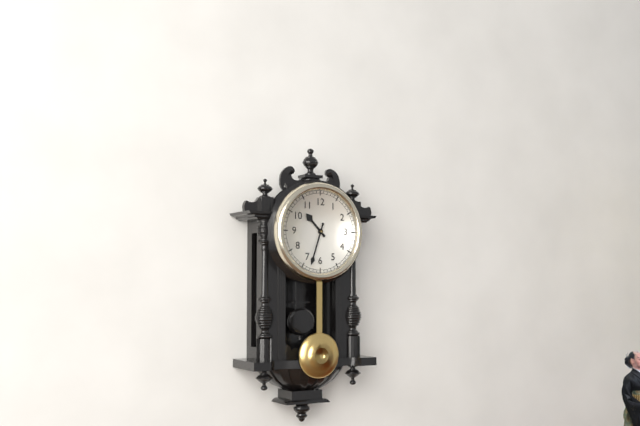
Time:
**10:33**
